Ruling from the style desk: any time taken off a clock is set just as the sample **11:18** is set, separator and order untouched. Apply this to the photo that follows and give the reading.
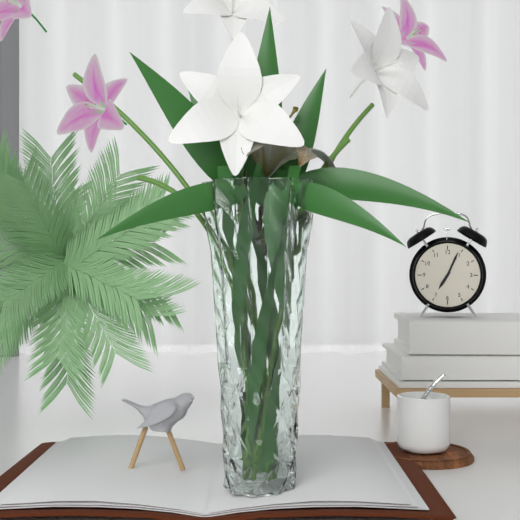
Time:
**7:04**
